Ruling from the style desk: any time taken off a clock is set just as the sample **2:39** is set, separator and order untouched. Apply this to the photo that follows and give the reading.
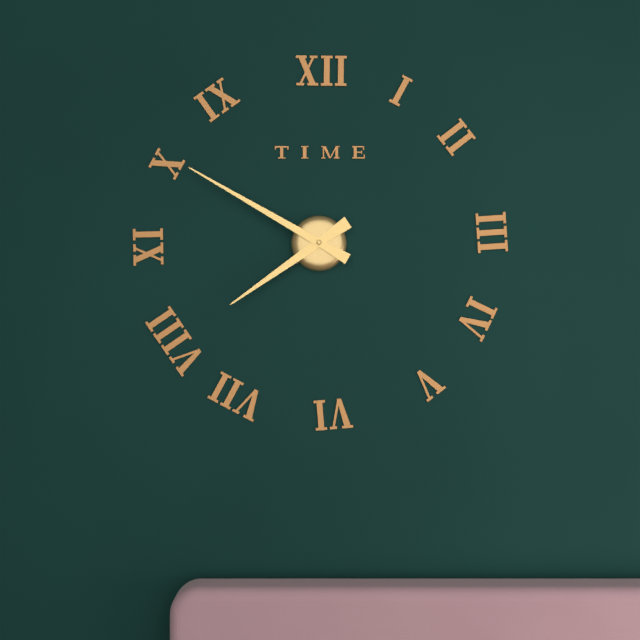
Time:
**7:50**
